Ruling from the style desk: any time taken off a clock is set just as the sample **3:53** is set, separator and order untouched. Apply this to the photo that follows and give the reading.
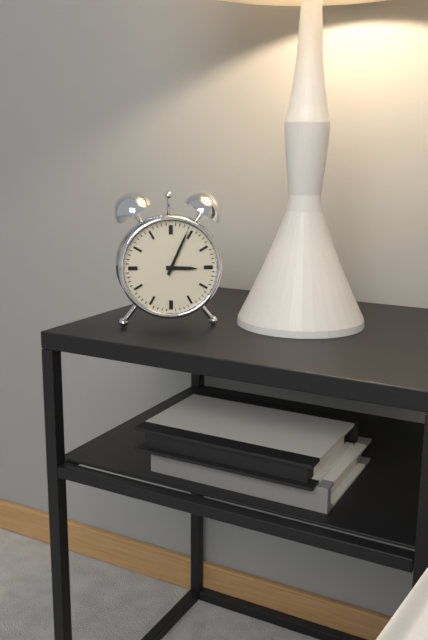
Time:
**3:04**
